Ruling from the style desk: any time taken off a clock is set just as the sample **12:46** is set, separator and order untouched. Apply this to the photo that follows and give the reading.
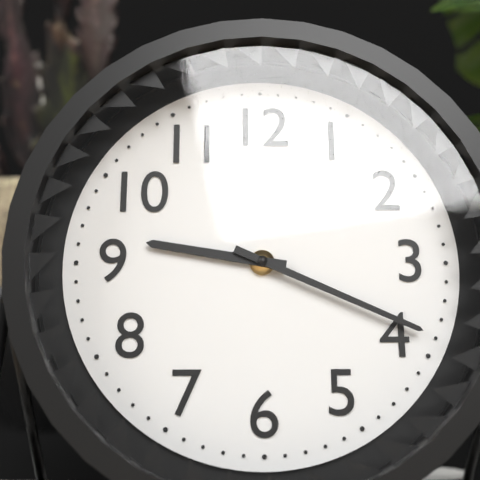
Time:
**9:19**
